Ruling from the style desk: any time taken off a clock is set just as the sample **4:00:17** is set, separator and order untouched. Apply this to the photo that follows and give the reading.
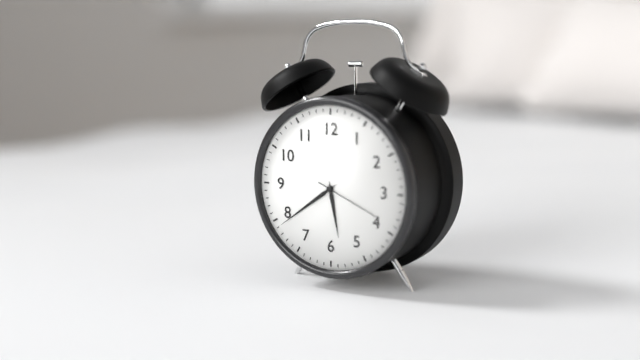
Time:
**5:39:19**
